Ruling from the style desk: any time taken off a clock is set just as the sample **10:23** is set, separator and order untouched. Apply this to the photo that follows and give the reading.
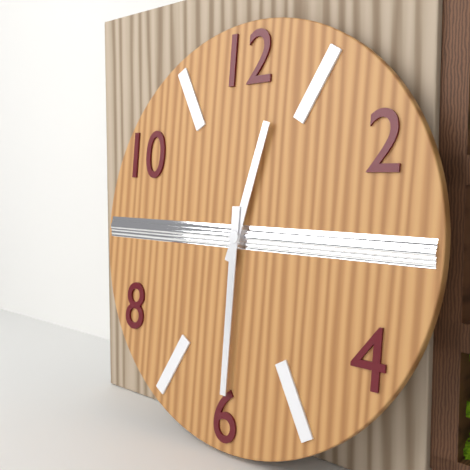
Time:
**12:30**
